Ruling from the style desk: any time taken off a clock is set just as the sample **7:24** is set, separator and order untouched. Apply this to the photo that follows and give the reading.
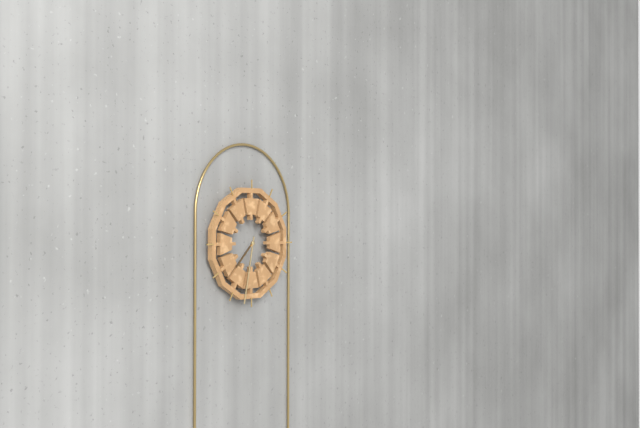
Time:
**7:32**
